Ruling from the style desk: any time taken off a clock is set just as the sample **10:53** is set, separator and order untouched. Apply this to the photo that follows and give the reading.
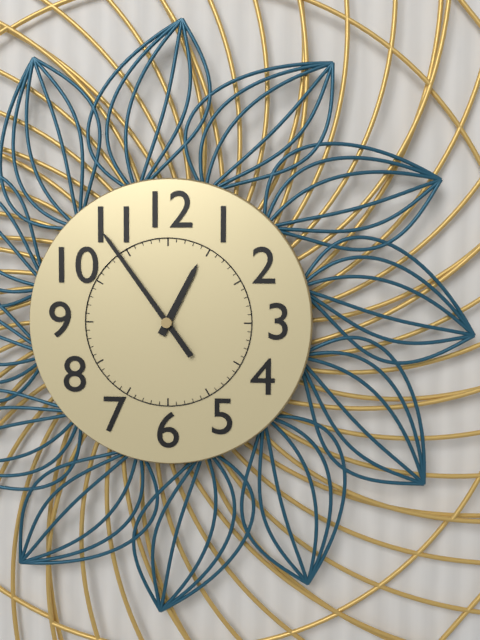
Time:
**12:54**
